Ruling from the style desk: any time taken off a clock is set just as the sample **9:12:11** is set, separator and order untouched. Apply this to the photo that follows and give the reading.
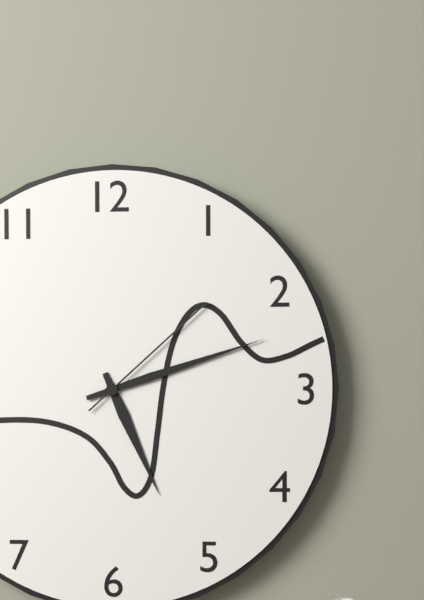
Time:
**5:12:08**
